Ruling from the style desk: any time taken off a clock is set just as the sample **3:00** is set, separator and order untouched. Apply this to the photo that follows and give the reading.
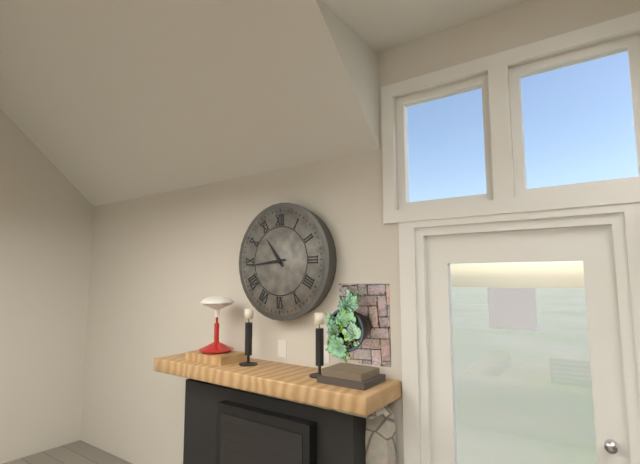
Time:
**10:44**
